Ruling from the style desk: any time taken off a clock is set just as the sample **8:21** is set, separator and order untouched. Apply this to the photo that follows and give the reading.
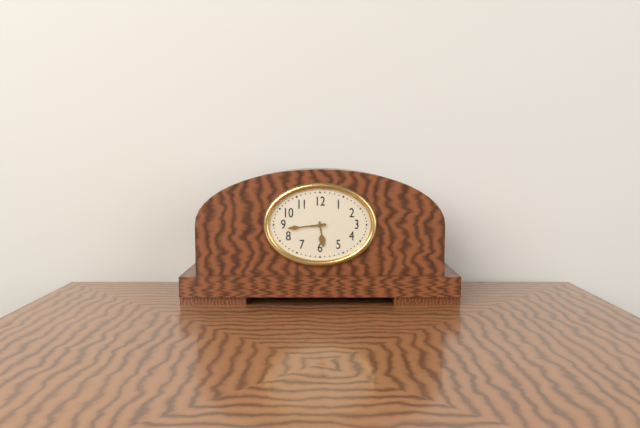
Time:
**5:44**
